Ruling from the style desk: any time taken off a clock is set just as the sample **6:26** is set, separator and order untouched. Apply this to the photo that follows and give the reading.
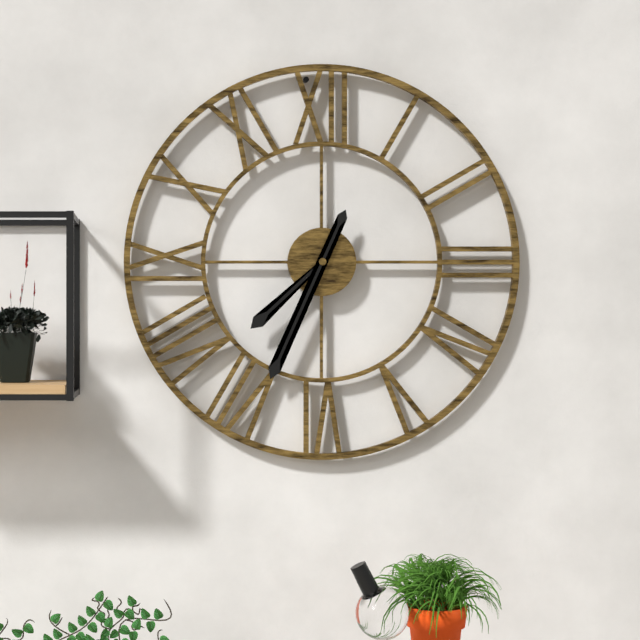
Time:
**7:34**
